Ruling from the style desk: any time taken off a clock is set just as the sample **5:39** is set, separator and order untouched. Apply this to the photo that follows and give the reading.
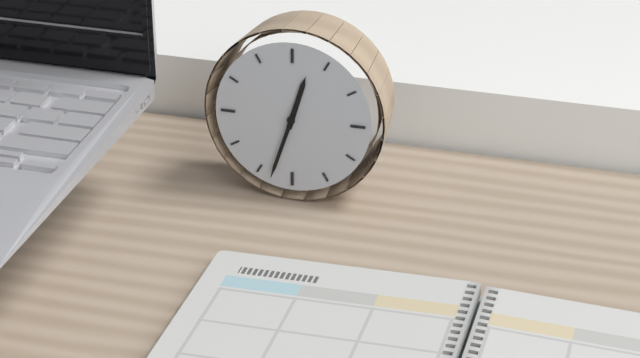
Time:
**12:33**
